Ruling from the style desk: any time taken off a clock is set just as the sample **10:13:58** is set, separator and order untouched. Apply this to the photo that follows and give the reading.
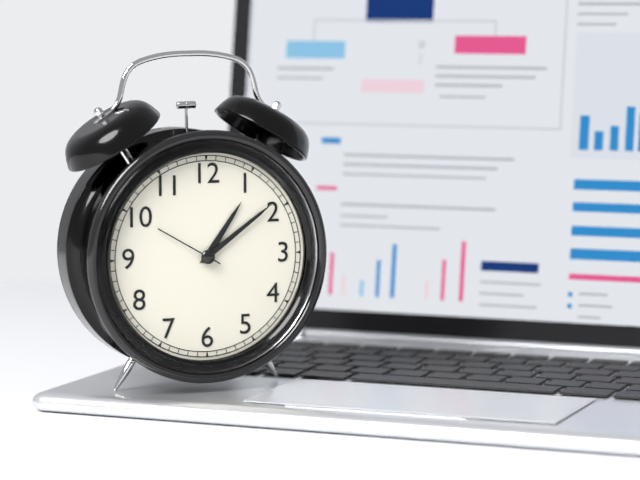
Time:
**1:09:50**
